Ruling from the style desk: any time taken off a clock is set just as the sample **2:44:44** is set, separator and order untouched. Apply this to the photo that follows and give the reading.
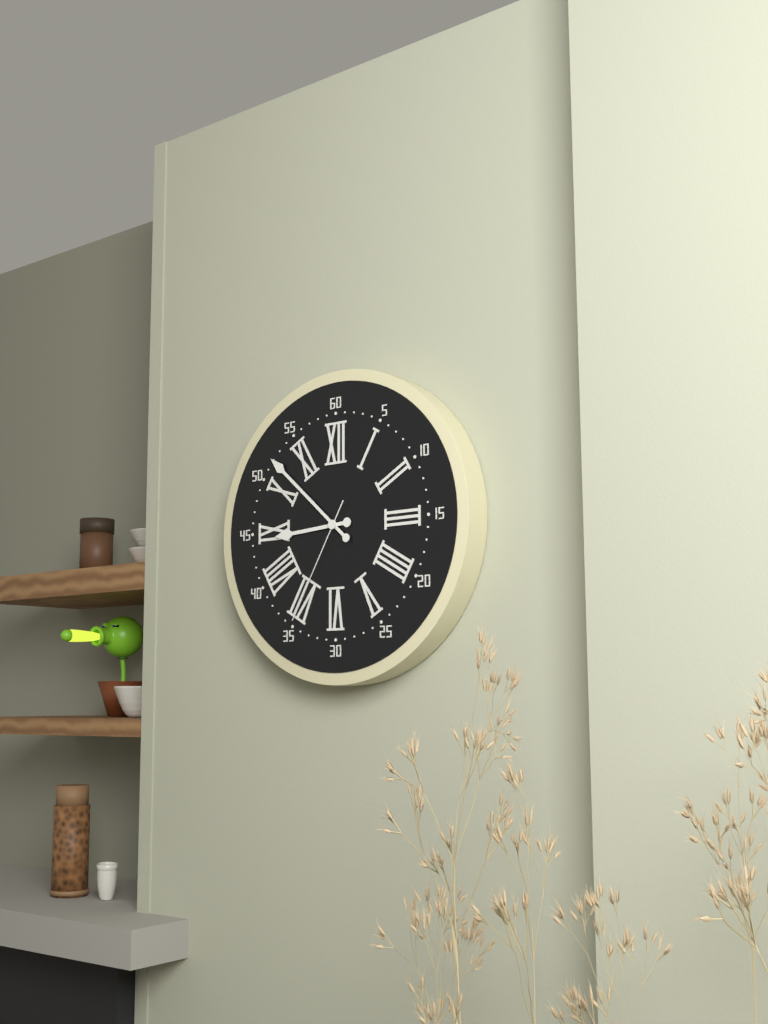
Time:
**8:52:35**
